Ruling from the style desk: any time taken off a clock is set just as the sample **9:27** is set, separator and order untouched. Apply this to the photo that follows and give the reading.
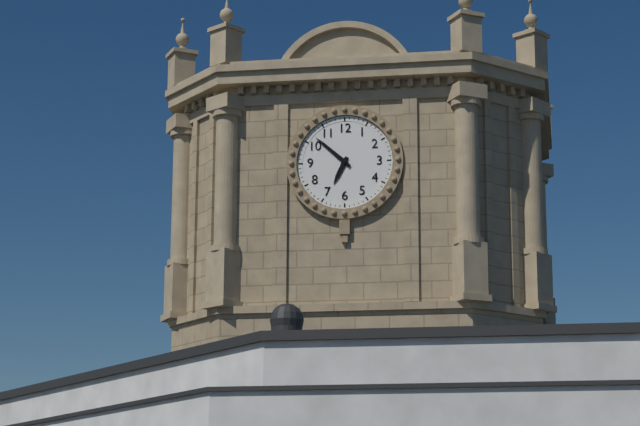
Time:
**6:52**
